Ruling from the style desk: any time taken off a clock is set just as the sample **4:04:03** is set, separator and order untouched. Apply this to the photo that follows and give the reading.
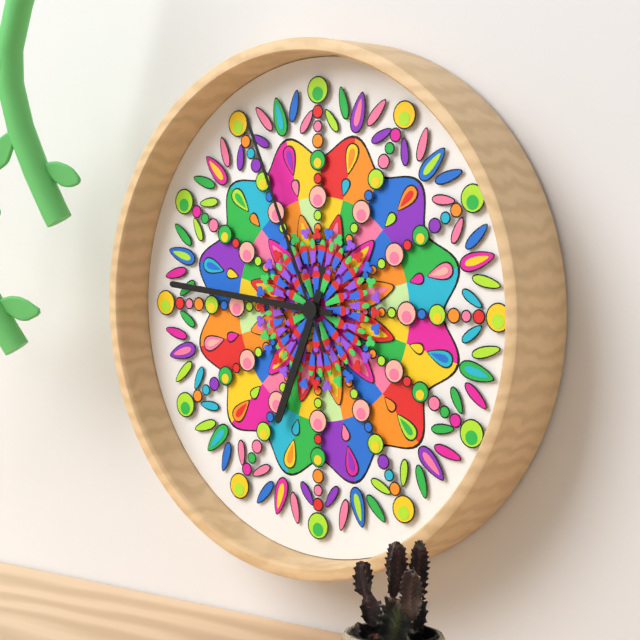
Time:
**6:46:56**
